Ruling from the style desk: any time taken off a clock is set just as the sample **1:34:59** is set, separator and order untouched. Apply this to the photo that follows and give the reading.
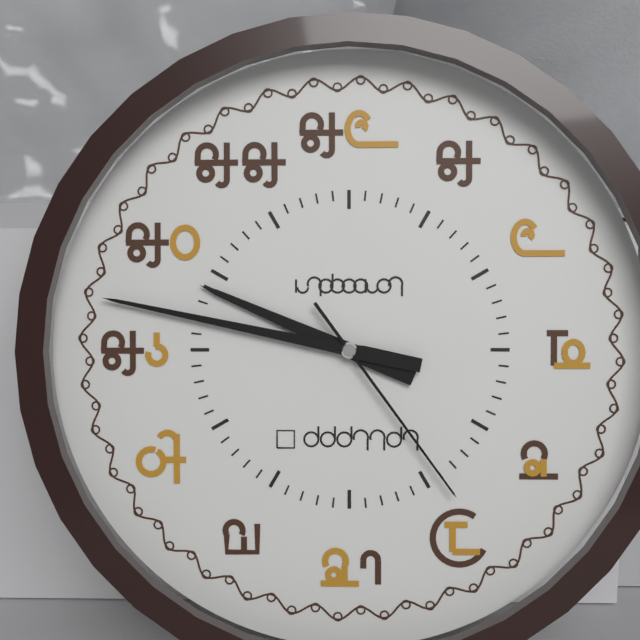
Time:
**9:47:24**
